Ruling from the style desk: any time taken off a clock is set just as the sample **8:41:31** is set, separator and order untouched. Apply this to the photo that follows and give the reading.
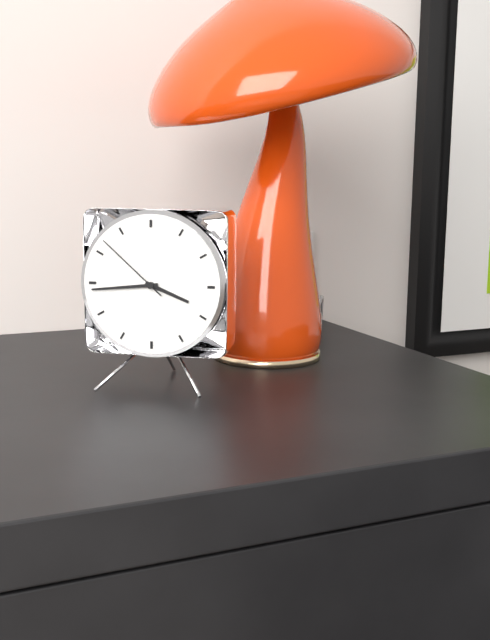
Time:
**3:44:52**
